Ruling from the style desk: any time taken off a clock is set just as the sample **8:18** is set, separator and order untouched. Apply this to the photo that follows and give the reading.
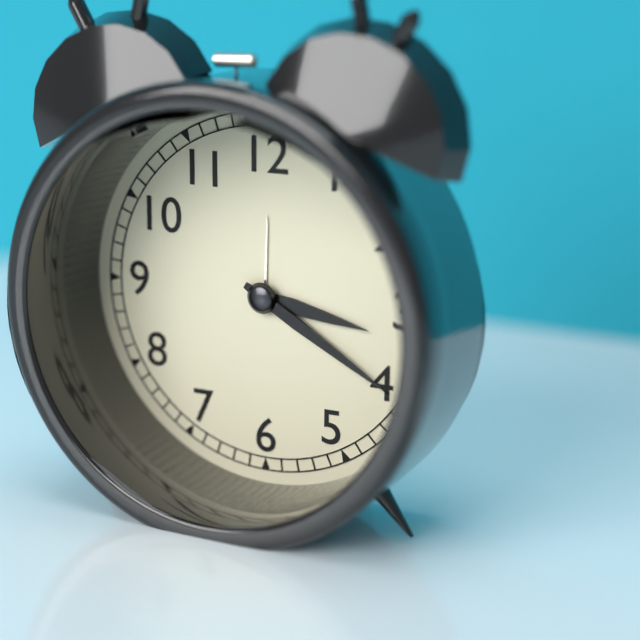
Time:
**3:20**
